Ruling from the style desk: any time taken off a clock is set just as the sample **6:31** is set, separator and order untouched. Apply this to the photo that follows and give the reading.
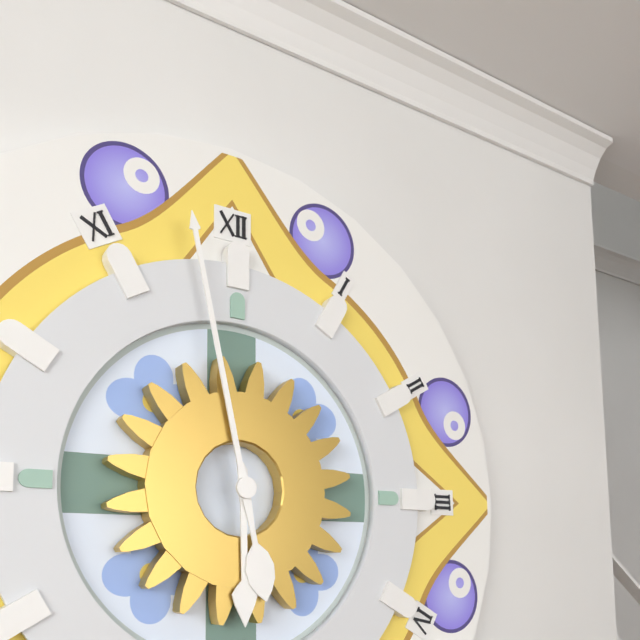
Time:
**5:58**
